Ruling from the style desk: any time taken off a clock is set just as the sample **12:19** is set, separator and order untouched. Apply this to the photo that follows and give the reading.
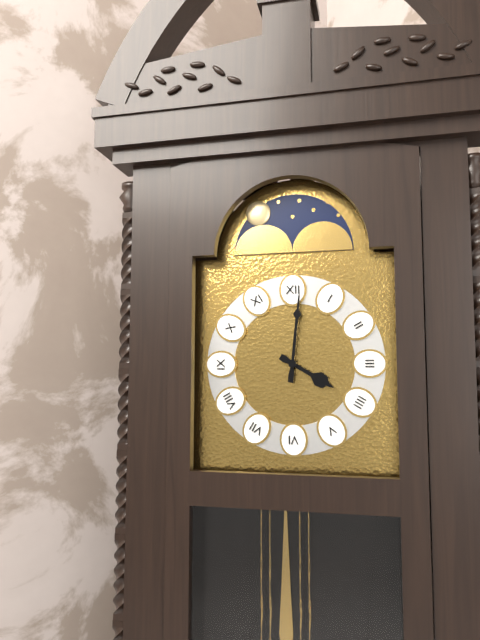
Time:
**4:01**
